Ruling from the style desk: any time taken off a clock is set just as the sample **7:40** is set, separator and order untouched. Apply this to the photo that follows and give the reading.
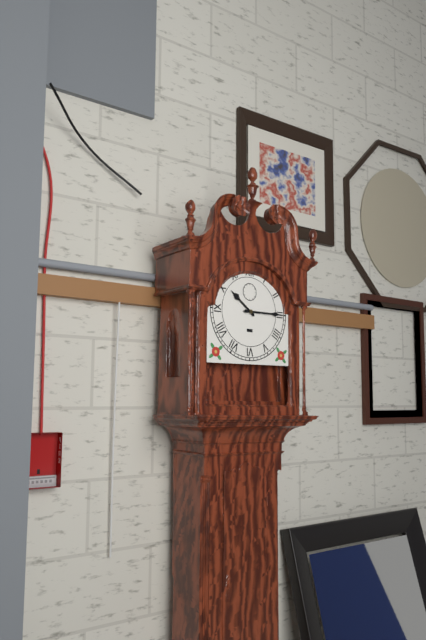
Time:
**10:15**
